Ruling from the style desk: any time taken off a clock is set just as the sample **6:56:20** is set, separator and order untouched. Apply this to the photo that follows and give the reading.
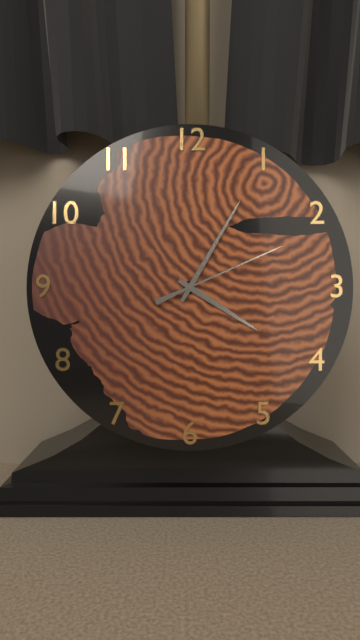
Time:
**4:05:11**
